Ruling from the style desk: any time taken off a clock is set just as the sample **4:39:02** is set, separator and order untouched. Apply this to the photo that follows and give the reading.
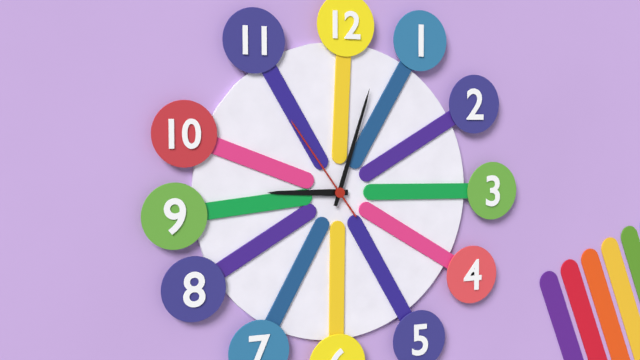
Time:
**9:03:54**
